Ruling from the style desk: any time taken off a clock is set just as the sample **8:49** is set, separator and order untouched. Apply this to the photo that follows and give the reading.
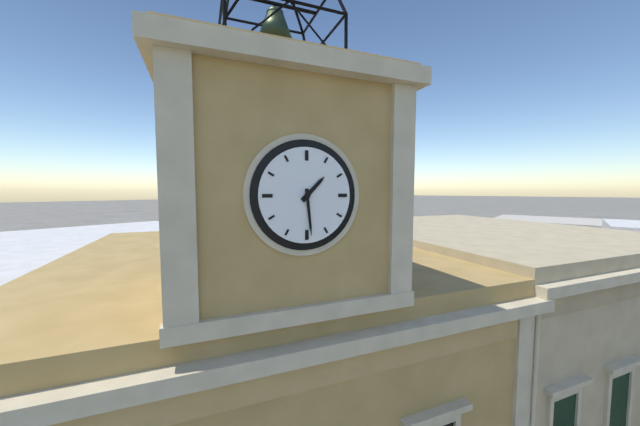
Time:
**1:29**
